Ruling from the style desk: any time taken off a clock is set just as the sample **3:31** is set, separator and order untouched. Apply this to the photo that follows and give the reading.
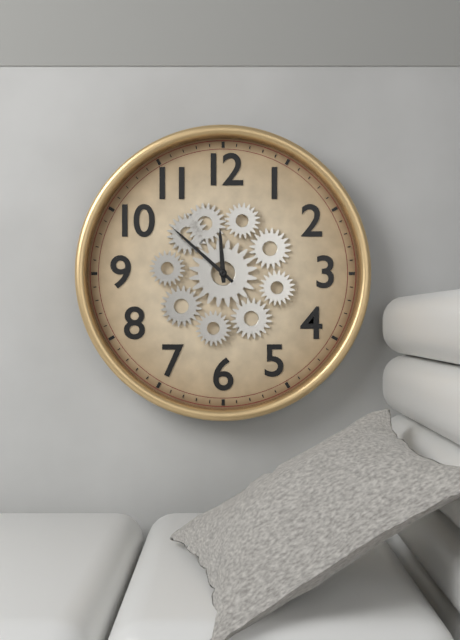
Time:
**11:52**
